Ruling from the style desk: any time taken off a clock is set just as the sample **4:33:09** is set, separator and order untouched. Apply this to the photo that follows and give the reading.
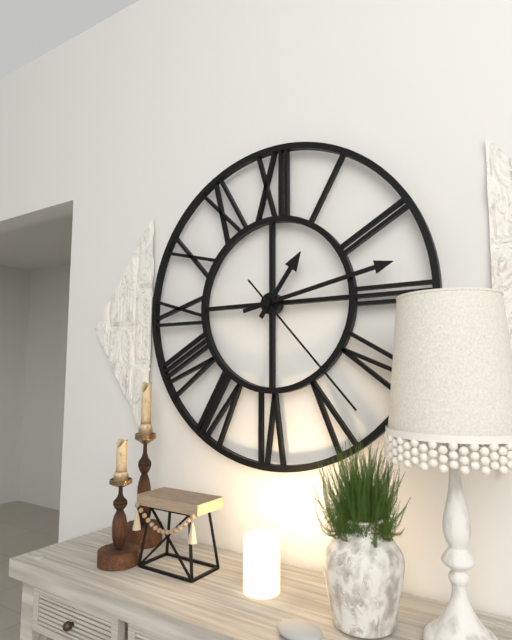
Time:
**1:13:23**
